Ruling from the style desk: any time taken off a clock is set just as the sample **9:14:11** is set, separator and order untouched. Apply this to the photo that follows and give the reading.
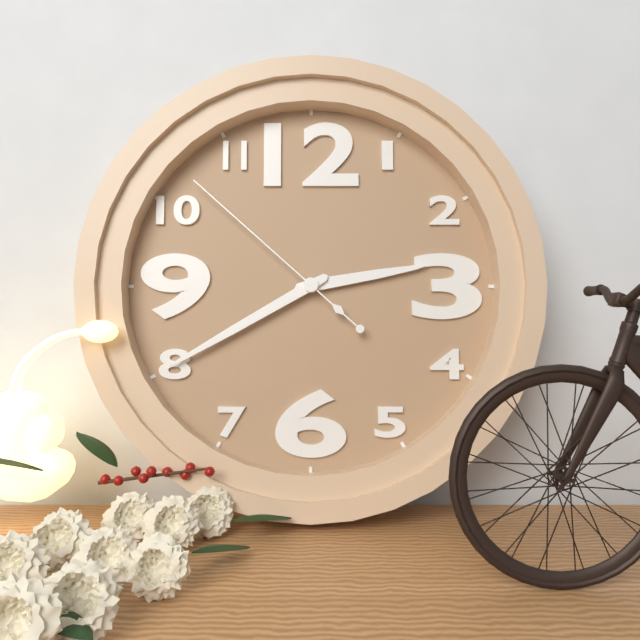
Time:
**2:40:52**
